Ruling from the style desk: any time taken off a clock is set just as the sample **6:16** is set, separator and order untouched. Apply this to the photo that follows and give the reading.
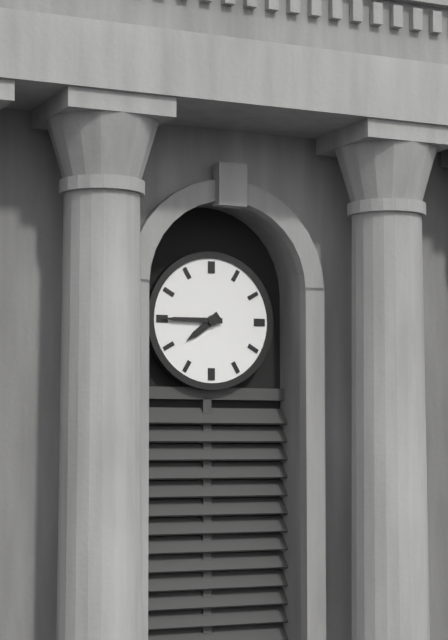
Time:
**7:45**
